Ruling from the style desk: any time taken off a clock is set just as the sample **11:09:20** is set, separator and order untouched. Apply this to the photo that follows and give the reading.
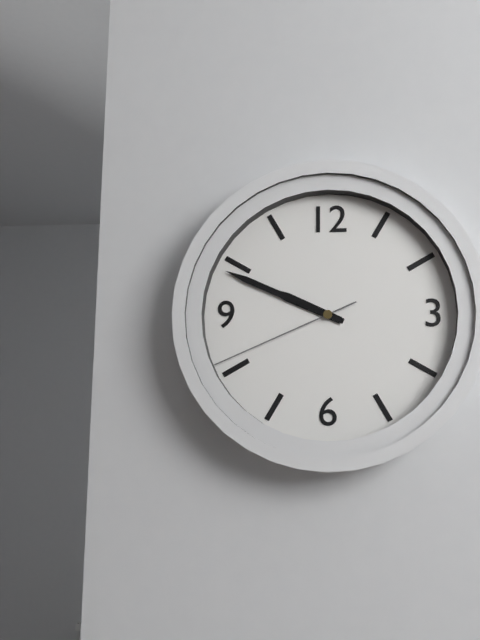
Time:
**9:49:41**
